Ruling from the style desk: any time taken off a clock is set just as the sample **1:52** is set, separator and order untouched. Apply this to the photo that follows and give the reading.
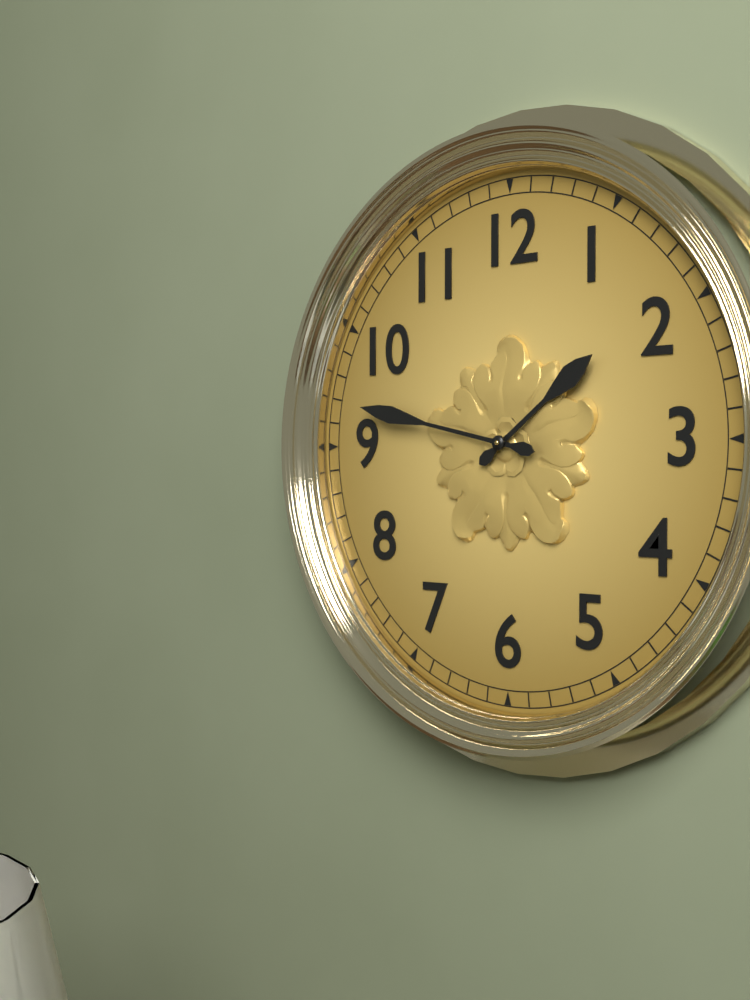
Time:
**1:47**
